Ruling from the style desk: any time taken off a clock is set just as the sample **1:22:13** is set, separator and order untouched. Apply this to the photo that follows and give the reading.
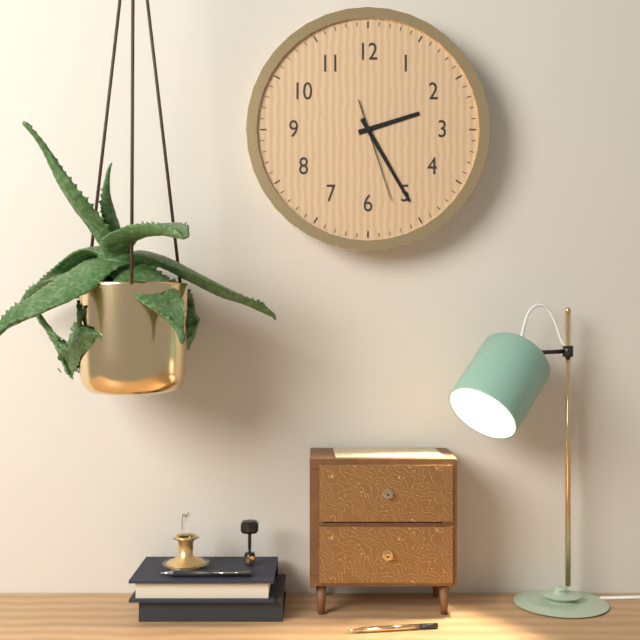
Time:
**2:25:27**
